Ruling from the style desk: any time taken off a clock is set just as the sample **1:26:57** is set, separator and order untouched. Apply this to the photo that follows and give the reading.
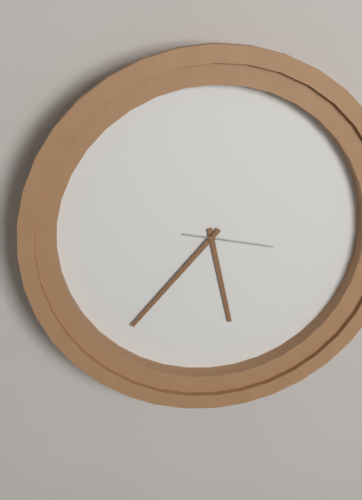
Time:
**5:37:17**
